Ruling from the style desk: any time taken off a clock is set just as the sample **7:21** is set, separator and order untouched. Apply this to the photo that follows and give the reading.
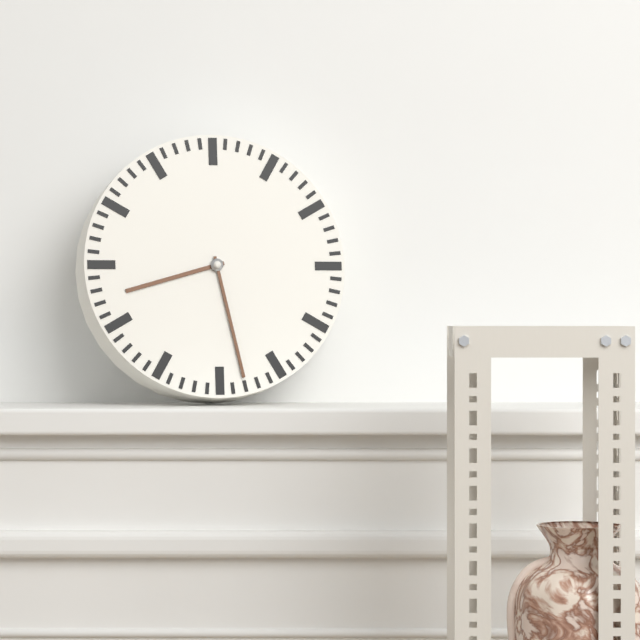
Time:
**8:28**
